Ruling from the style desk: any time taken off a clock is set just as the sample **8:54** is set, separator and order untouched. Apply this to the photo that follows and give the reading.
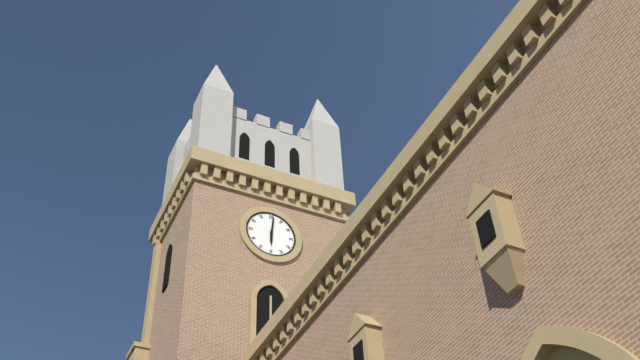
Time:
**6:01**
